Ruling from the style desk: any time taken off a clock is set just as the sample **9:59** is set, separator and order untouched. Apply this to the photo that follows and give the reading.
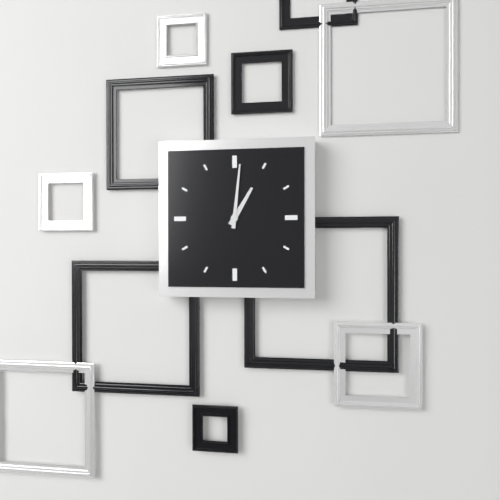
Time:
**1:01**
